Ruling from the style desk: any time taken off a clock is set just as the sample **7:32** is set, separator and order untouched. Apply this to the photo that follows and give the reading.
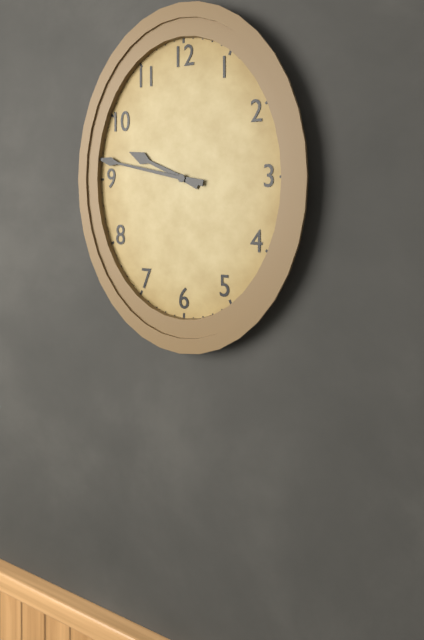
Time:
**9:47**
